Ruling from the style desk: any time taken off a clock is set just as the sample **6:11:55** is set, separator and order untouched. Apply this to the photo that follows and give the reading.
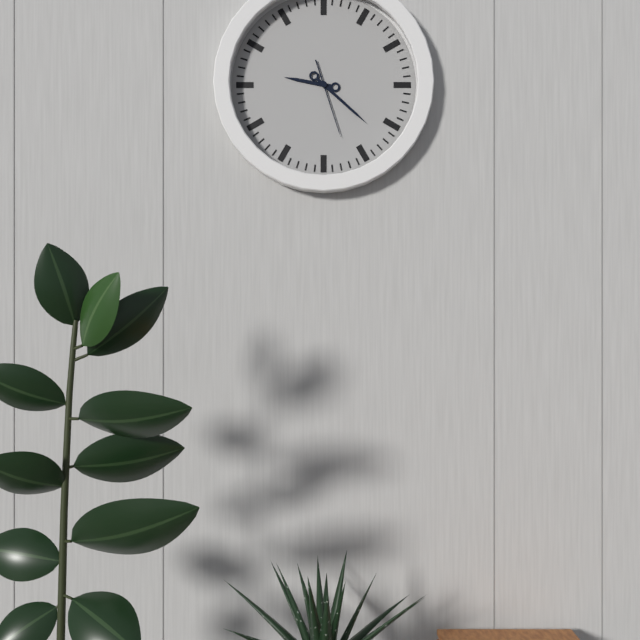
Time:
**9:22:27**
